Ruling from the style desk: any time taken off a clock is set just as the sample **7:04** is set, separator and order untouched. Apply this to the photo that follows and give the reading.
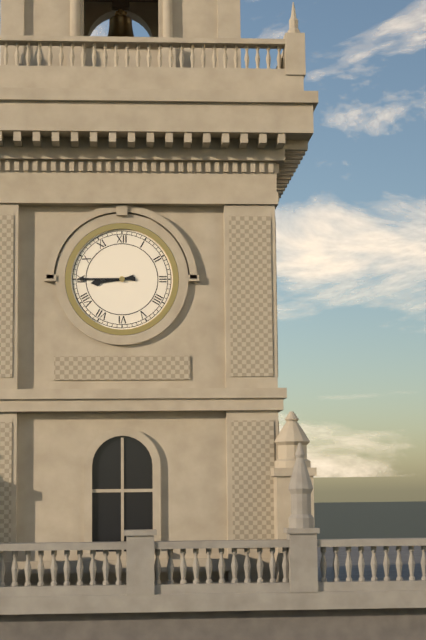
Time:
**8:45**
